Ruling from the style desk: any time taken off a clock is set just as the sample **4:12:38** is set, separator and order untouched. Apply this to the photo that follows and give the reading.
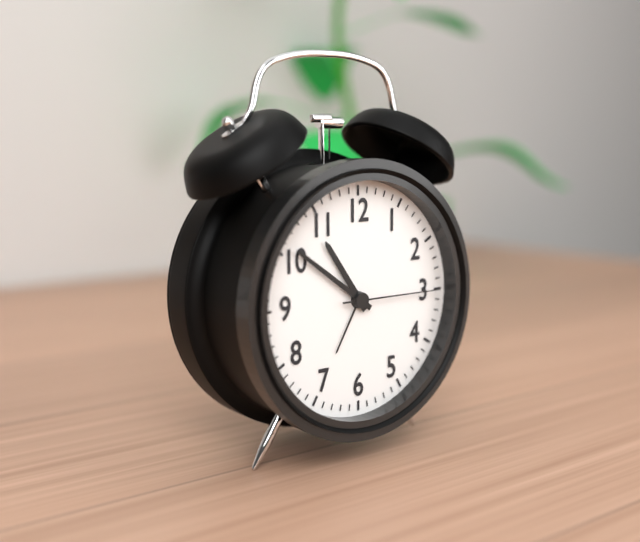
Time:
**10:51:15**
